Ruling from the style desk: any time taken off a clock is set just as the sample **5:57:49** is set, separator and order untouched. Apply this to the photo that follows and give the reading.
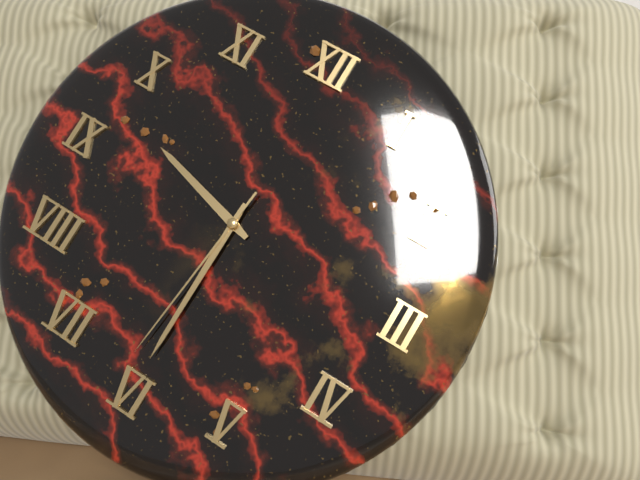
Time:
**9:30:31**
